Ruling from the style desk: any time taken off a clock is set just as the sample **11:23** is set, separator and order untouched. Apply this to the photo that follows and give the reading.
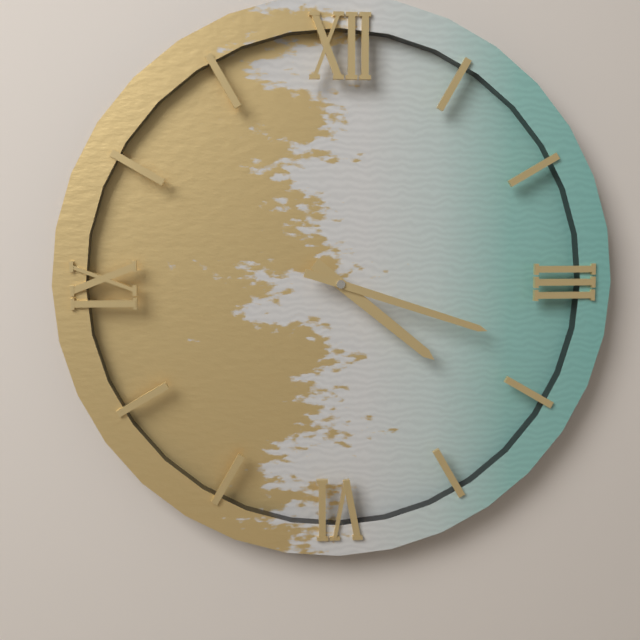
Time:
**4:18**
